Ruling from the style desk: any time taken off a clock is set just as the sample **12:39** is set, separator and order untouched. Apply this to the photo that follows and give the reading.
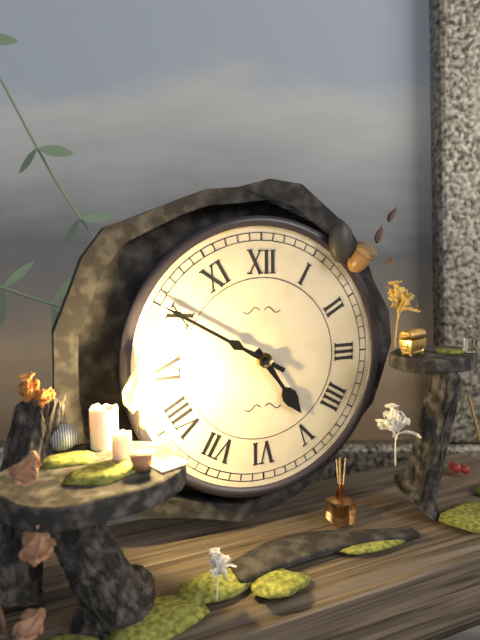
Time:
**4:50**
